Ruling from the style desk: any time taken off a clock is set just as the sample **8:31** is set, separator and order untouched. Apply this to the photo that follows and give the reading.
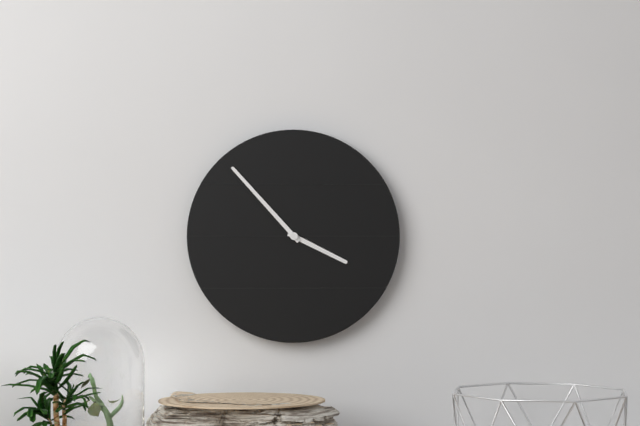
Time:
**3:53**
